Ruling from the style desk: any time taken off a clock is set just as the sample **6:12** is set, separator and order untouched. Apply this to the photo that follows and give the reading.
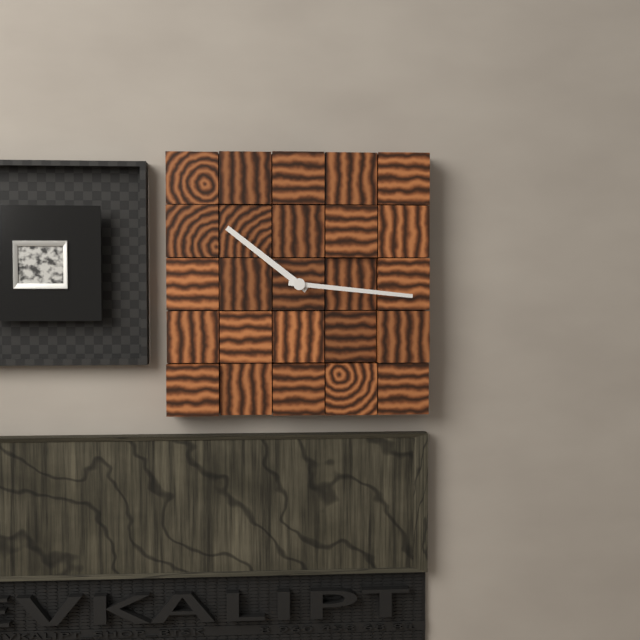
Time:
**10:16**
